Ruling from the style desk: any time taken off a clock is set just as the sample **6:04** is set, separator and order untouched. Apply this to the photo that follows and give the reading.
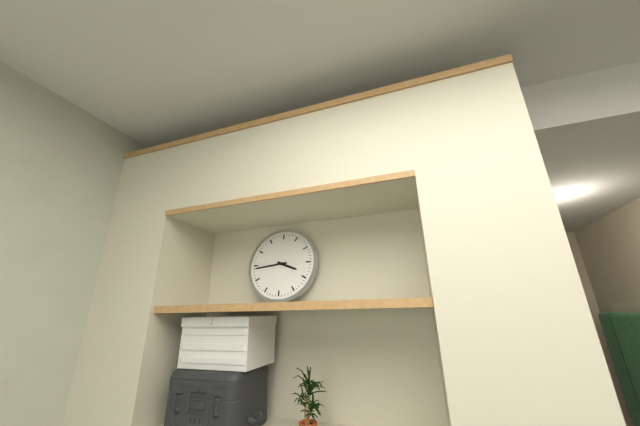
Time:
**3:44**
